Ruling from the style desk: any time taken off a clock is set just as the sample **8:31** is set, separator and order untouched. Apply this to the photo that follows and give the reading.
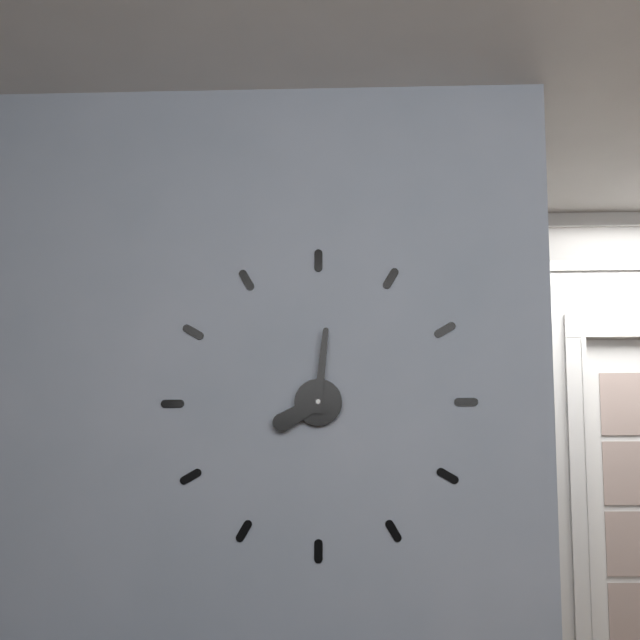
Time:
**8:01**
